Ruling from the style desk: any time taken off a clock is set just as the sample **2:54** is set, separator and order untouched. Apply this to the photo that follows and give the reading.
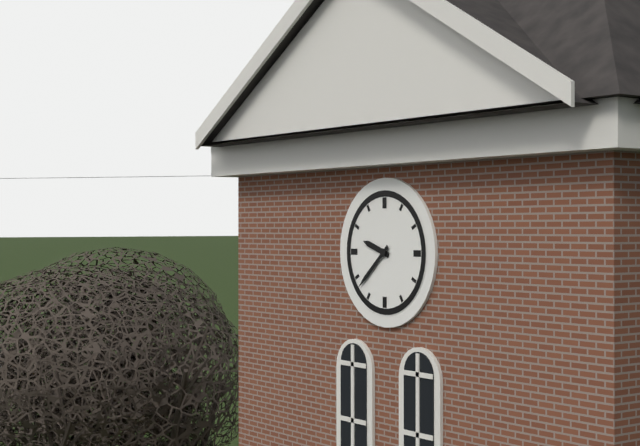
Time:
**9:38**
